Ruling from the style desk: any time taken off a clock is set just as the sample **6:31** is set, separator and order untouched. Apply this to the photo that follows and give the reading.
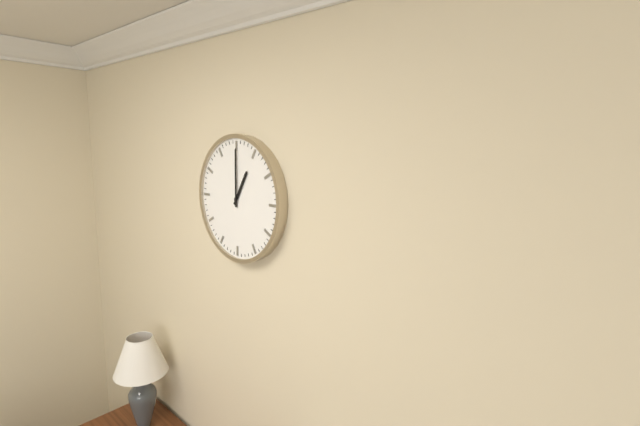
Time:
**1:00**
